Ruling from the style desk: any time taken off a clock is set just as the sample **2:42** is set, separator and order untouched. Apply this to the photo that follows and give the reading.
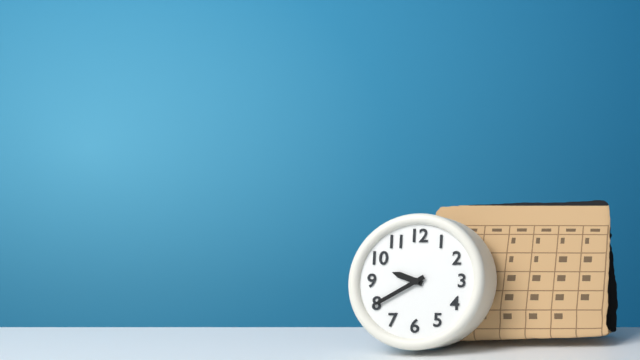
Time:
**9:40**
